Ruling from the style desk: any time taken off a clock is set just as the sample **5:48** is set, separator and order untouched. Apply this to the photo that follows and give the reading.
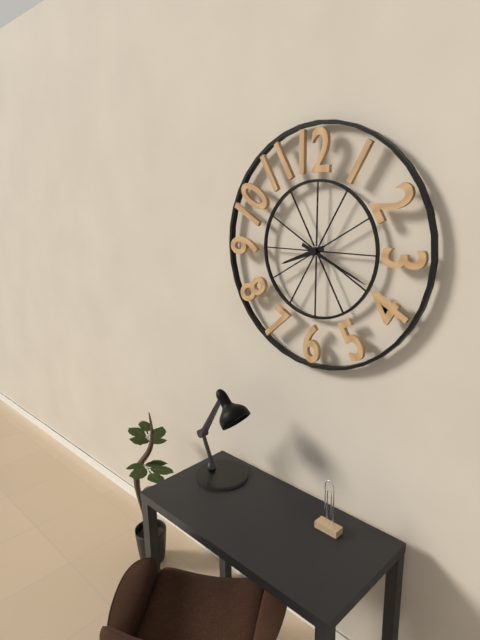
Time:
**8:19**
